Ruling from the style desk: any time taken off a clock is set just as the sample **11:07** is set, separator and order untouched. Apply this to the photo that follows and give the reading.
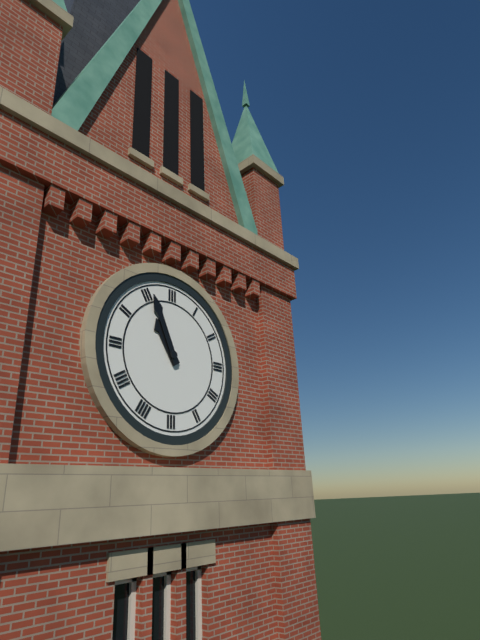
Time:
**10:56**
